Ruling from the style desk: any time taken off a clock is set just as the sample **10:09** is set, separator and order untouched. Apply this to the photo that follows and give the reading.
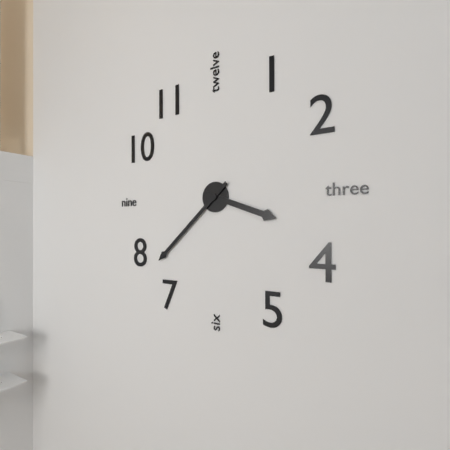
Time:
**3:38**
